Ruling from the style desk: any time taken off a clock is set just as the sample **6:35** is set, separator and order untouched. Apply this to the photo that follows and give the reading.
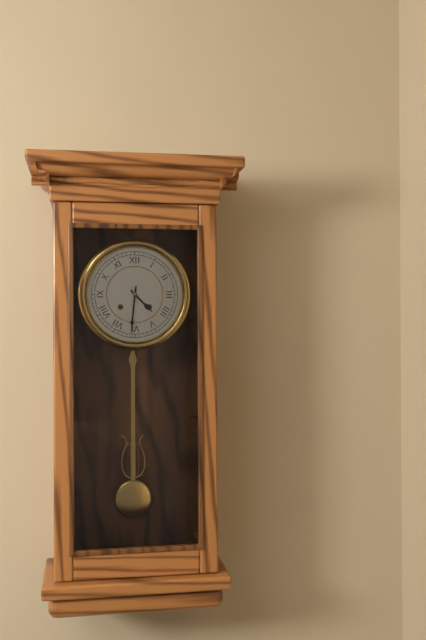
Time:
**4:31**
